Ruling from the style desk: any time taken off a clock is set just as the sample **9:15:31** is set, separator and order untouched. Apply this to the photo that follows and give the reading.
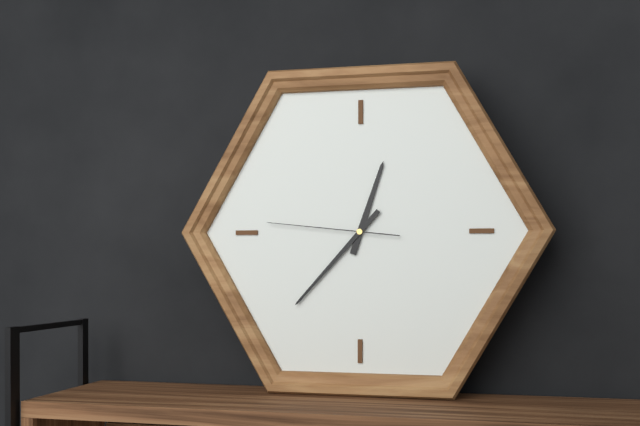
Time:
**12:37:46**
